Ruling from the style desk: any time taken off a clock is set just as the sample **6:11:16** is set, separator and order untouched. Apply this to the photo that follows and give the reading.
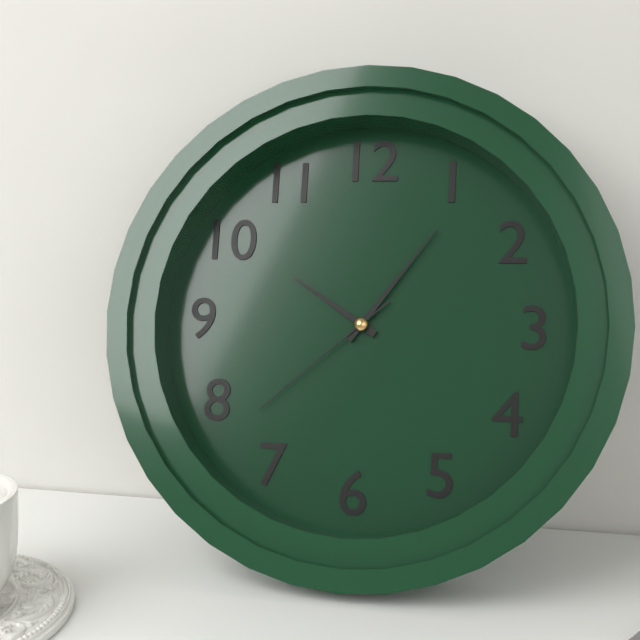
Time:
**10:06:38**
